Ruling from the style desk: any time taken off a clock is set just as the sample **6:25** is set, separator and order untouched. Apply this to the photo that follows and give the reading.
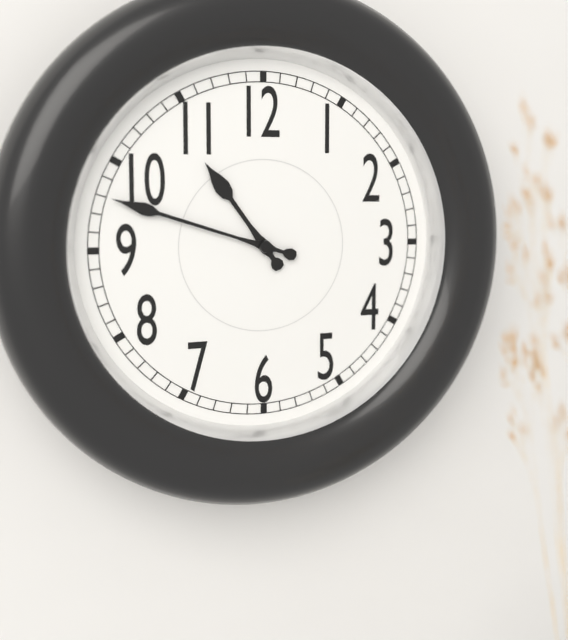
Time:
**10:48**
